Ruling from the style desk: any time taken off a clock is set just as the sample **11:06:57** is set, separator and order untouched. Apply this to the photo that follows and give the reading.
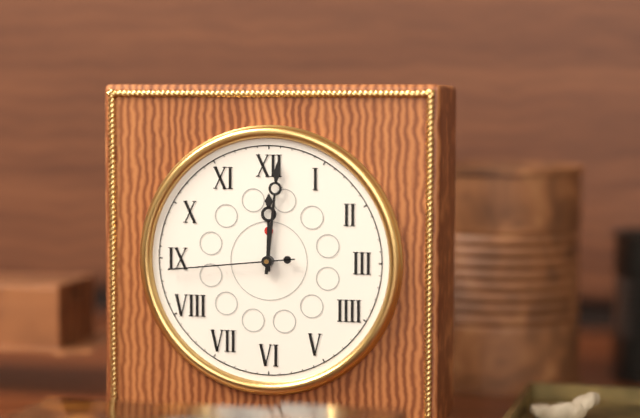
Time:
**12:01:44**
